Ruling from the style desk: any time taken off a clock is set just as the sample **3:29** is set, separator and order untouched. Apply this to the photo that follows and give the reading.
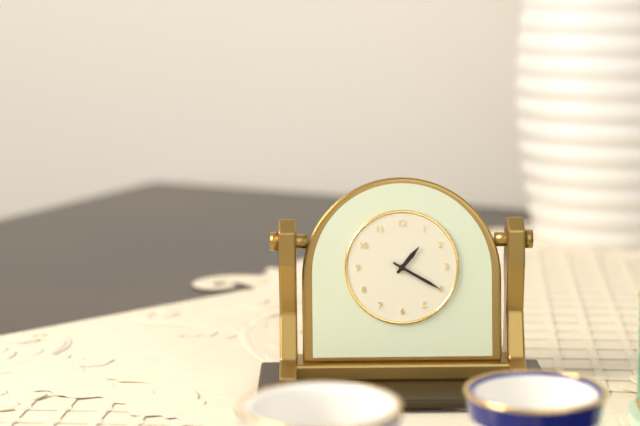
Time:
**1:20**
